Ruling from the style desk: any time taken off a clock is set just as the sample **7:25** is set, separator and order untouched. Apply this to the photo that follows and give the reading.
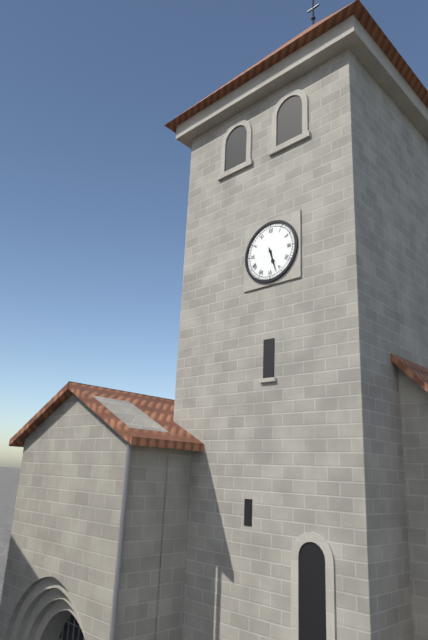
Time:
**5:27**
